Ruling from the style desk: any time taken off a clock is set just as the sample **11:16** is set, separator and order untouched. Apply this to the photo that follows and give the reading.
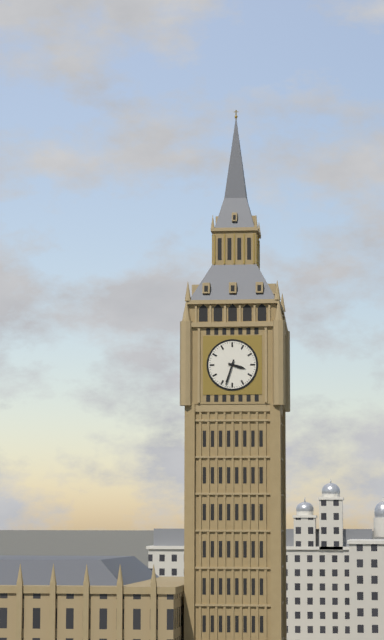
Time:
**3:33**
